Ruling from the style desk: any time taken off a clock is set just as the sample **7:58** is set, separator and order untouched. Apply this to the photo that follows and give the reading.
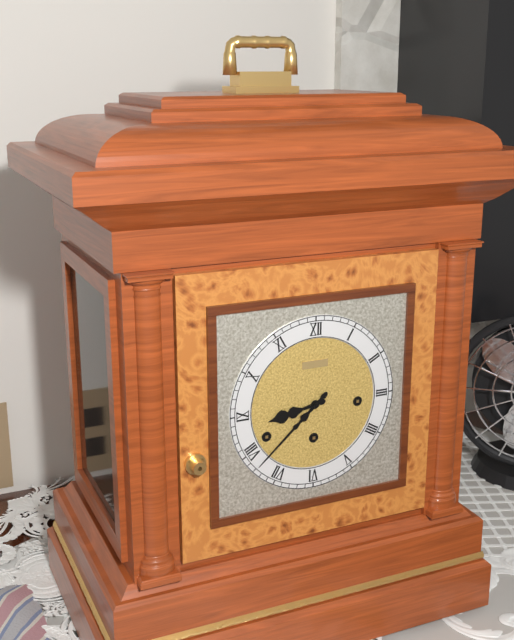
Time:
**8:38**
